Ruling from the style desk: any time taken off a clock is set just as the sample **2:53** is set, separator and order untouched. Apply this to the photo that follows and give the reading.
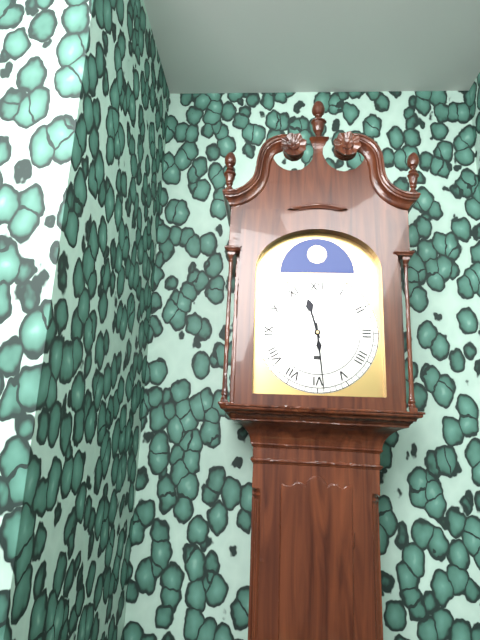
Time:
**11:29**
